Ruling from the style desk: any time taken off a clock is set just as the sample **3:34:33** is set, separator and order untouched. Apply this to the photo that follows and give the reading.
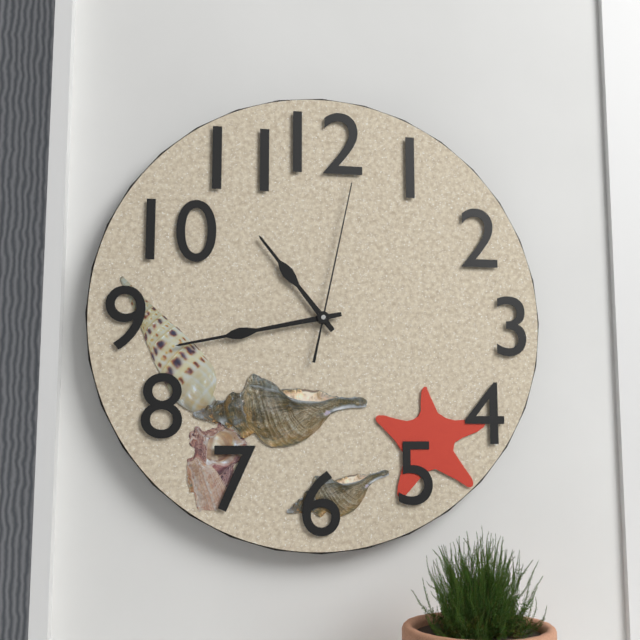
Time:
**10:43:02**
